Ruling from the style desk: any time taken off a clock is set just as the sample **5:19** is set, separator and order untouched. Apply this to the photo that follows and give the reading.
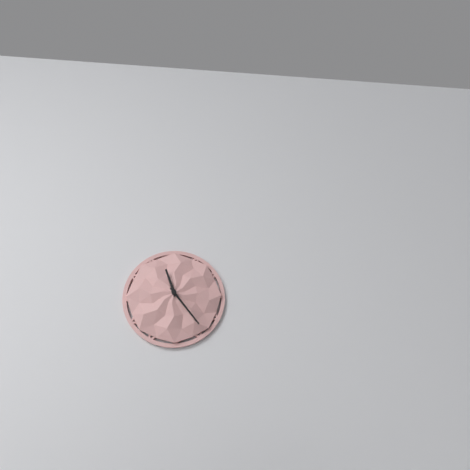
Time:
**11:24**
